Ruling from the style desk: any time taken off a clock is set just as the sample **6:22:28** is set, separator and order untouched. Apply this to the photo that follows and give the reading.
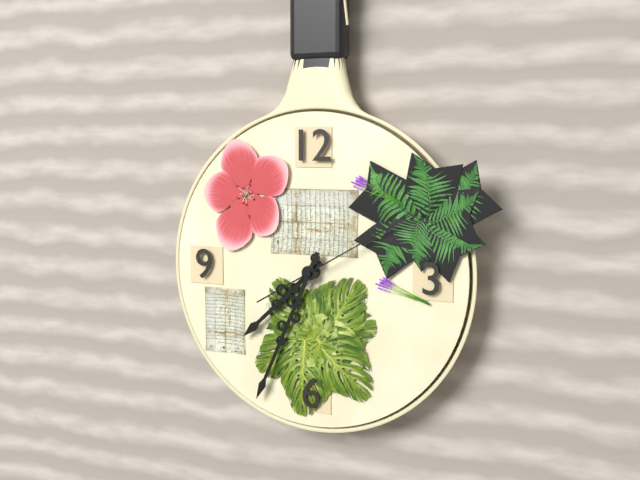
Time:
**7:34:10**
